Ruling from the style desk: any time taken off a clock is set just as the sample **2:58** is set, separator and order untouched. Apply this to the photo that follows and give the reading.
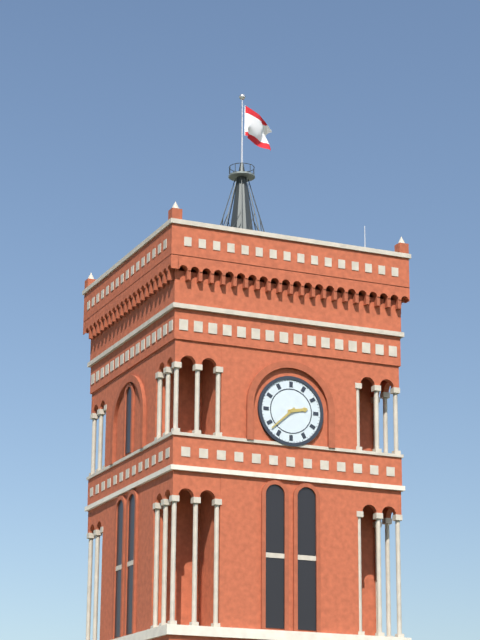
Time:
**2:38**
